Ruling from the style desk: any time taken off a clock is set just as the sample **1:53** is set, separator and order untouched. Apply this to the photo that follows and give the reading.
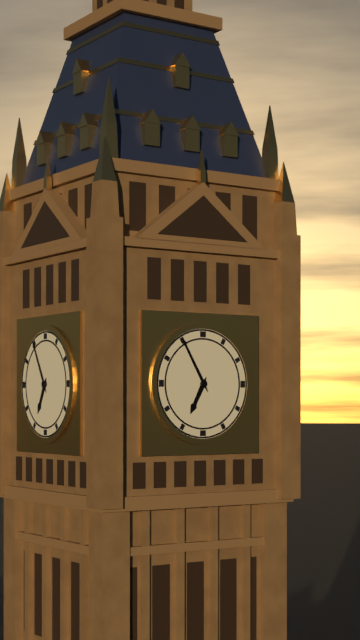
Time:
**6:55**
